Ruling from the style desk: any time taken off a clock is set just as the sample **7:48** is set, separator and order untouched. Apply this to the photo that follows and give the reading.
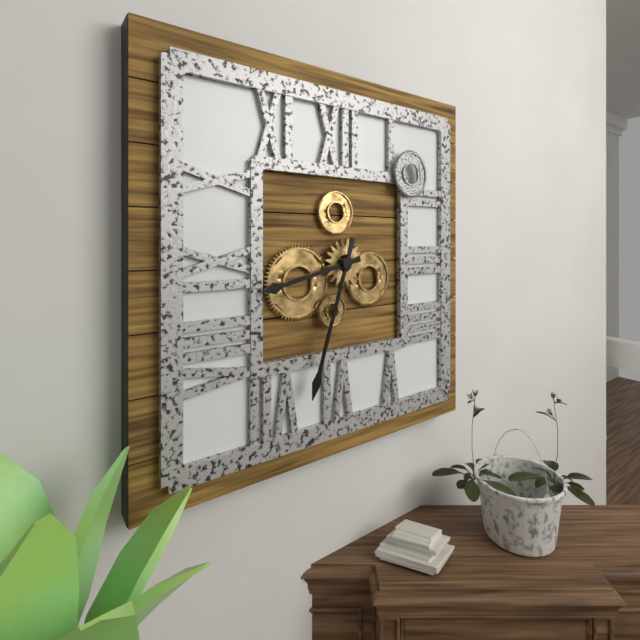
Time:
**8:33**
